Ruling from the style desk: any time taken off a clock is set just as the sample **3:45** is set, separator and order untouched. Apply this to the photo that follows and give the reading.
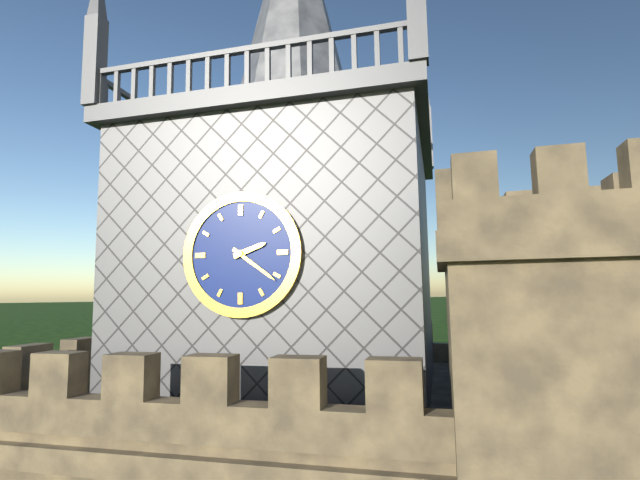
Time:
**2:21**
